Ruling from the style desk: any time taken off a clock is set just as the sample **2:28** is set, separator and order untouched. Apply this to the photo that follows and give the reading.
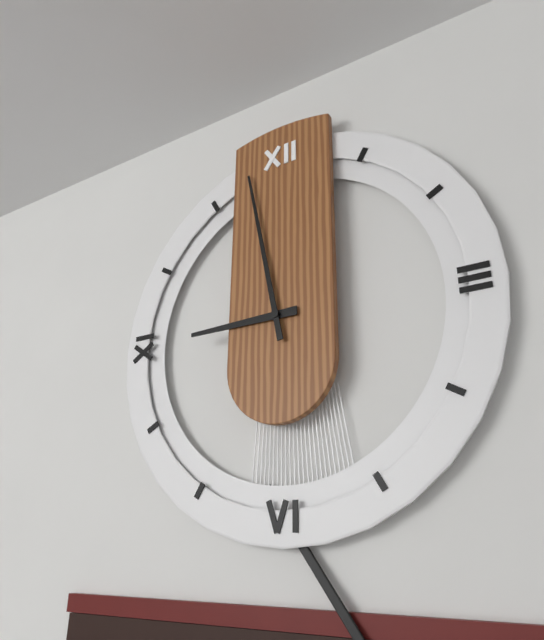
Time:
**8:58**
